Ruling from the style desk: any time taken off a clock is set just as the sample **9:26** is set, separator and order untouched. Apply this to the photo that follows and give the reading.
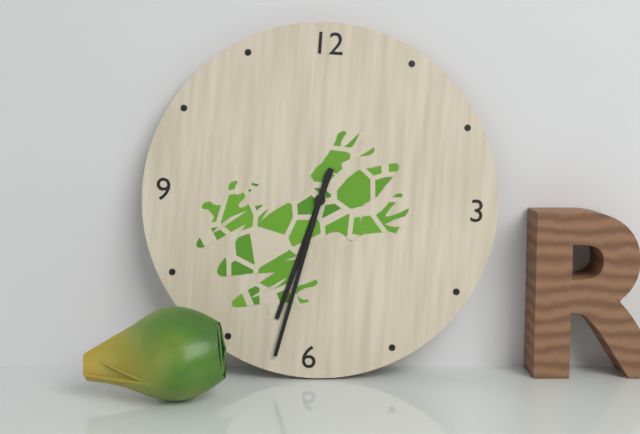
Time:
**6:32**
